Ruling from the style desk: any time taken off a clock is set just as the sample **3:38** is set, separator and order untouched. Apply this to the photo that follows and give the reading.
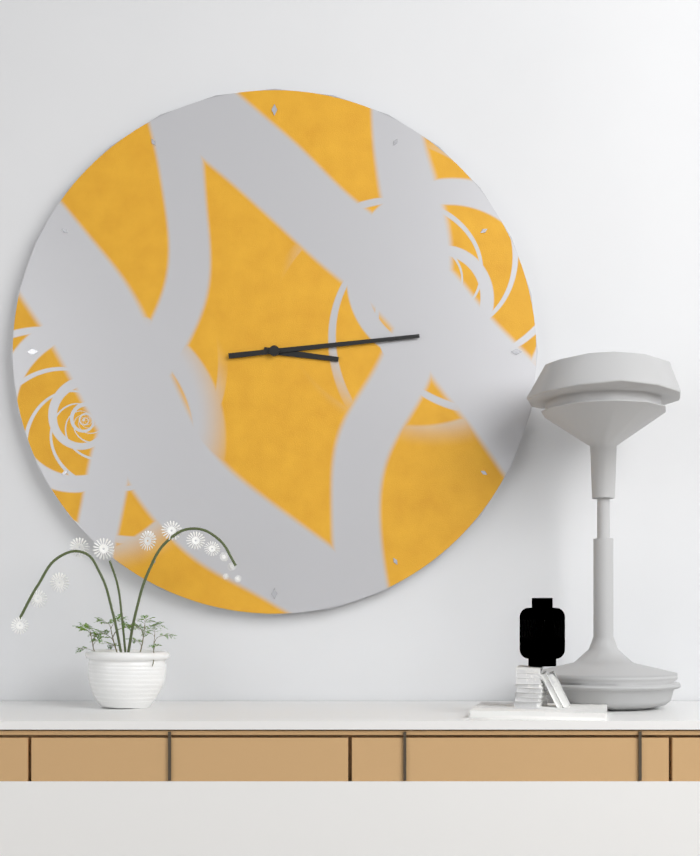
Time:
**3:14**
